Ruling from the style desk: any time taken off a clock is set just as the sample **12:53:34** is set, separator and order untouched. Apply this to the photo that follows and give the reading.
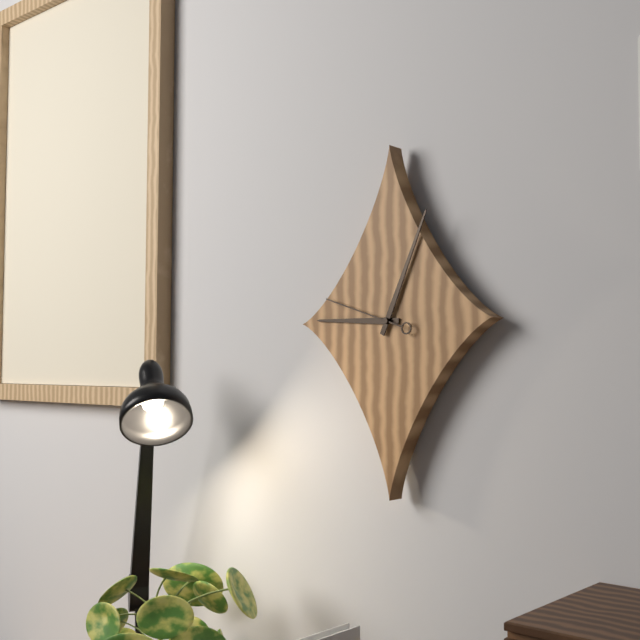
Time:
**9:04:48**
